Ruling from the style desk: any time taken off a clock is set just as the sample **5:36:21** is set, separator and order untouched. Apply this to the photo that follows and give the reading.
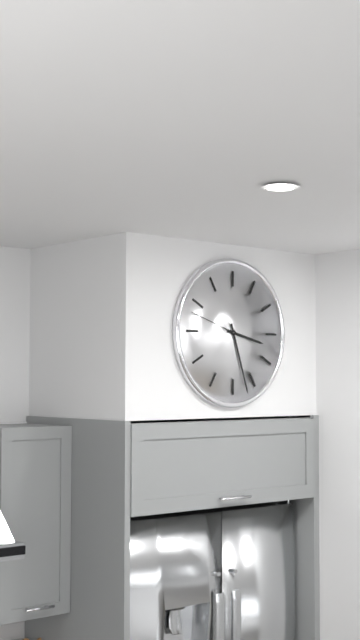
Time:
**3:27:48**
